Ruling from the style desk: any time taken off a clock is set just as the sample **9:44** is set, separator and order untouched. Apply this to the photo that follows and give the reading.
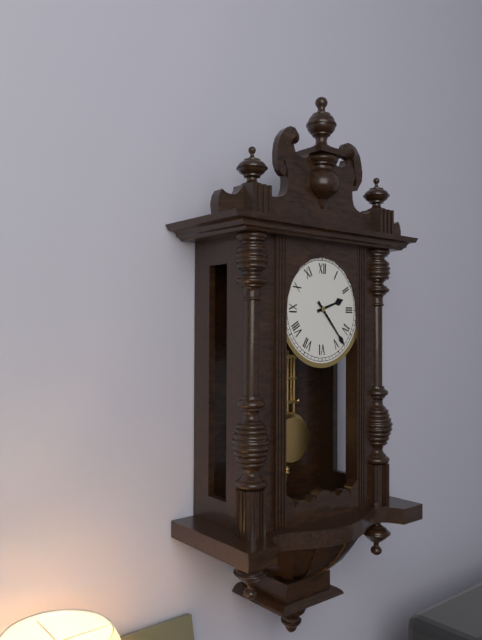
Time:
**2:23**
